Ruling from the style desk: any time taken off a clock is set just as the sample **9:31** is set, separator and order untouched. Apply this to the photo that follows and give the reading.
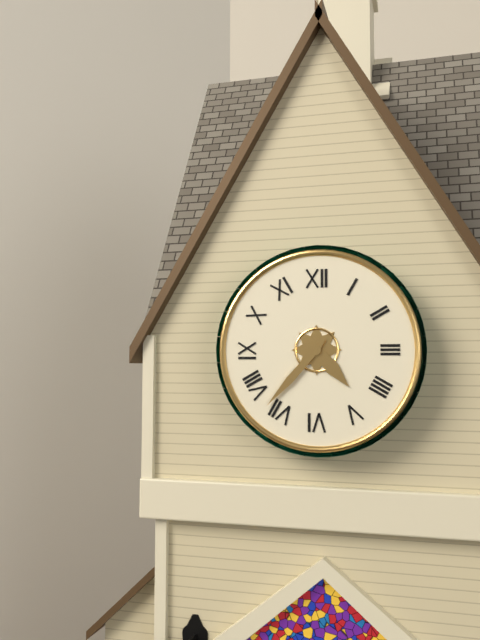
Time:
**4:37**
